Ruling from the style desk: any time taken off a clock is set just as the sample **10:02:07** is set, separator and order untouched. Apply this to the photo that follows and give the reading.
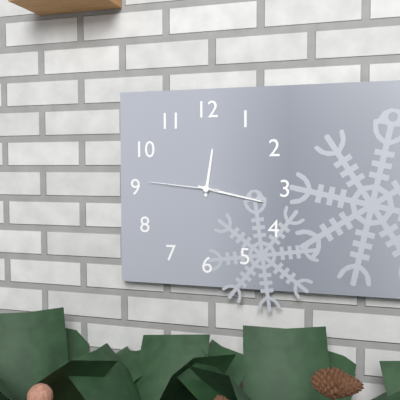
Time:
**12:17:46**
